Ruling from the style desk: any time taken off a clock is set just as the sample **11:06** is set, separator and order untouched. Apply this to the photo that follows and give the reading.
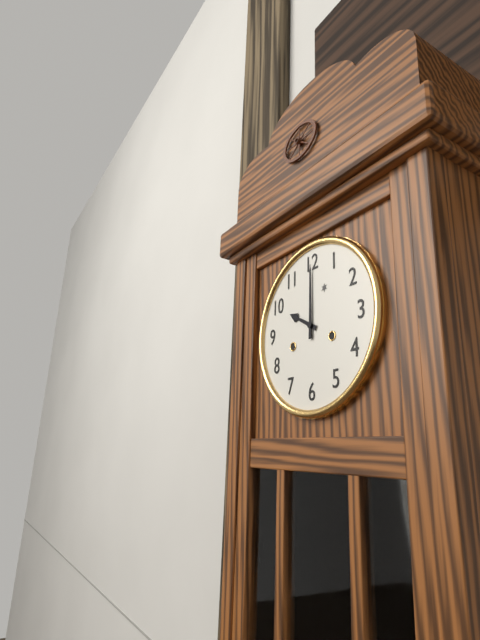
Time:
**10:00**
